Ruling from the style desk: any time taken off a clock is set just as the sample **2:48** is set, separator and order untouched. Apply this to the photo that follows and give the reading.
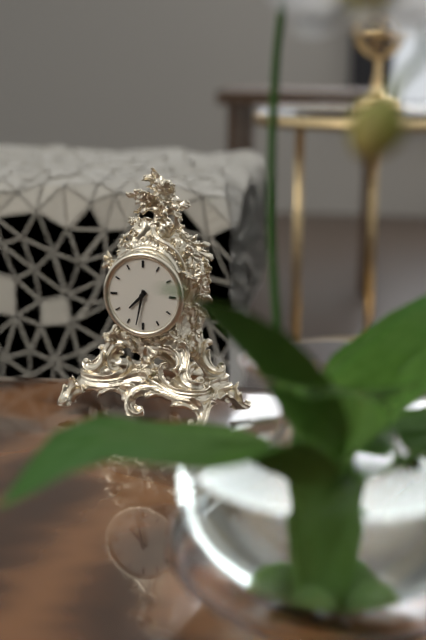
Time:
**7:32**
